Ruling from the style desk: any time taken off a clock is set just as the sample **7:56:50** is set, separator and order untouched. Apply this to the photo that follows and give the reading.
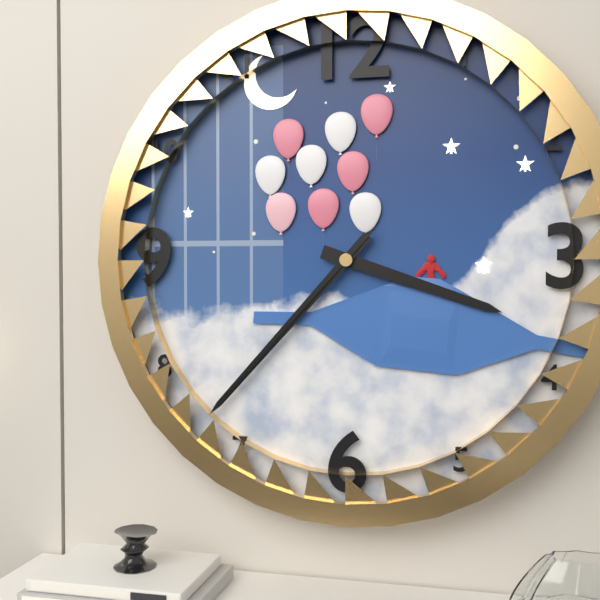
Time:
**3:37:37**
